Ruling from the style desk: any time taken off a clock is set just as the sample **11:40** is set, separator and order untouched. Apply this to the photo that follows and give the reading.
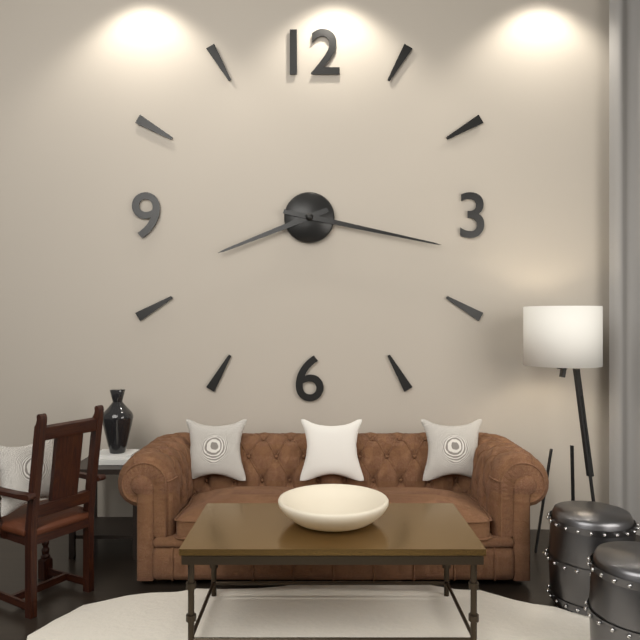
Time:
**8:17**
